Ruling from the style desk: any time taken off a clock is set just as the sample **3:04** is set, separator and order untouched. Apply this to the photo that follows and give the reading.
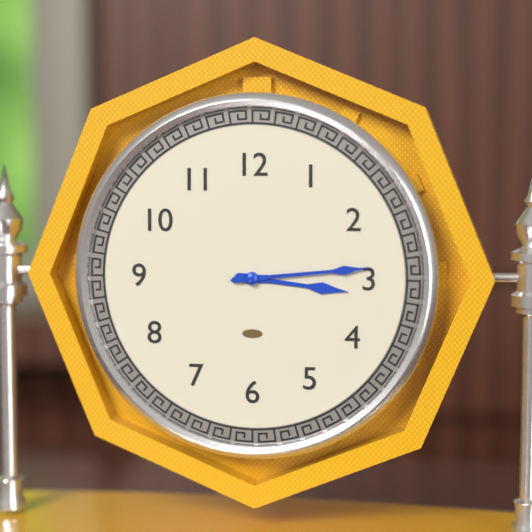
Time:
**3:14**
